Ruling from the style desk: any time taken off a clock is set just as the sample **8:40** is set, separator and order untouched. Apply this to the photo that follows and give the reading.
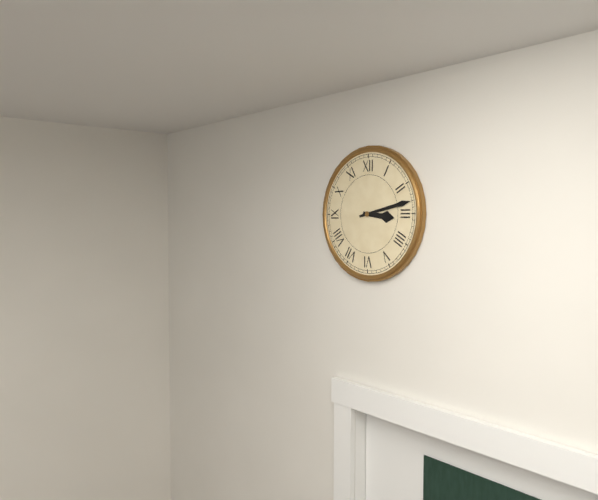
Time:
**3:13**
